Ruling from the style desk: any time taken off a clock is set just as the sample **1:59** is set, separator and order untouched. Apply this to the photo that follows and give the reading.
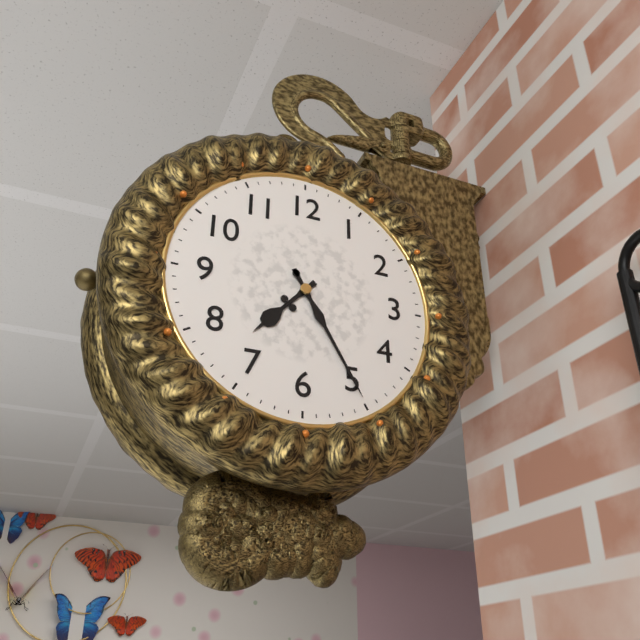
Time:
**7:25**
